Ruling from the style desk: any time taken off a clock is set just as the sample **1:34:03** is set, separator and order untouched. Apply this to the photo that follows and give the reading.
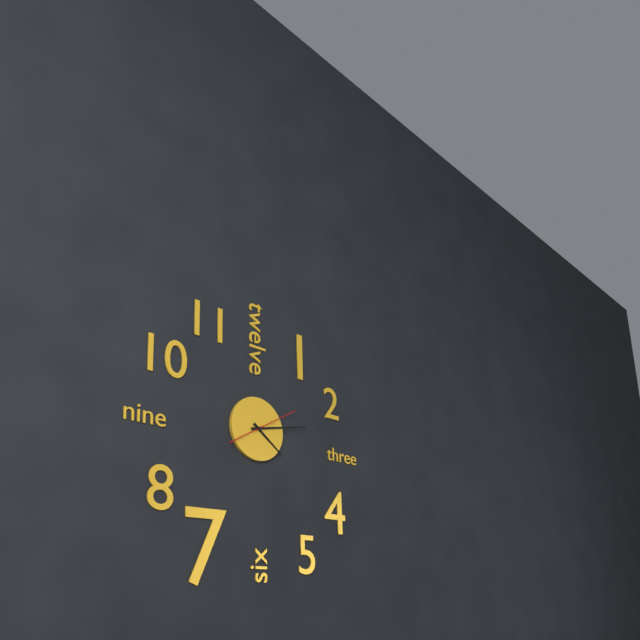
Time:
**4:13:10**
